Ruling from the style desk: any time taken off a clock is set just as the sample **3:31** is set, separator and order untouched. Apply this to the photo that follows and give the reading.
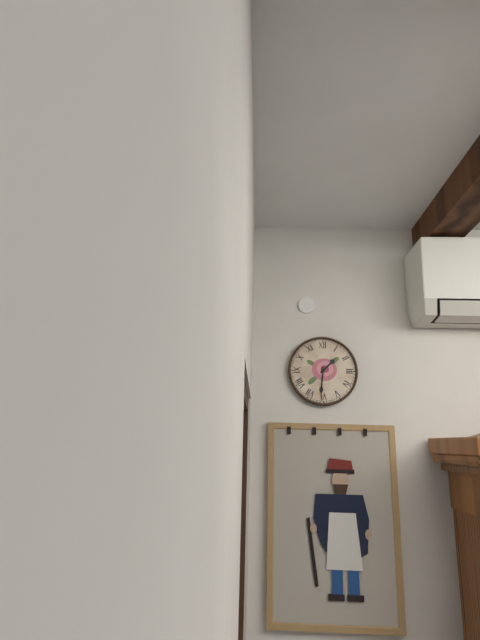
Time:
**1:31**
